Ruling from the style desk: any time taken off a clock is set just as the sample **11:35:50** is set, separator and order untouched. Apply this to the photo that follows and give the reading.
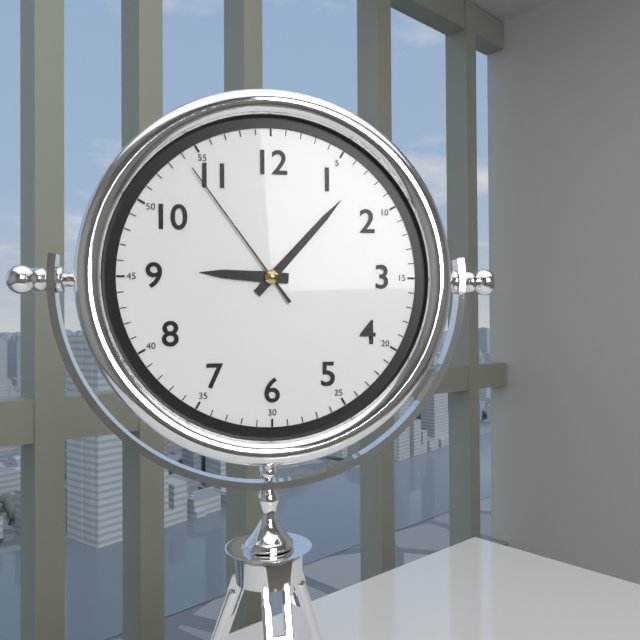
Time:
**9:07:54**
